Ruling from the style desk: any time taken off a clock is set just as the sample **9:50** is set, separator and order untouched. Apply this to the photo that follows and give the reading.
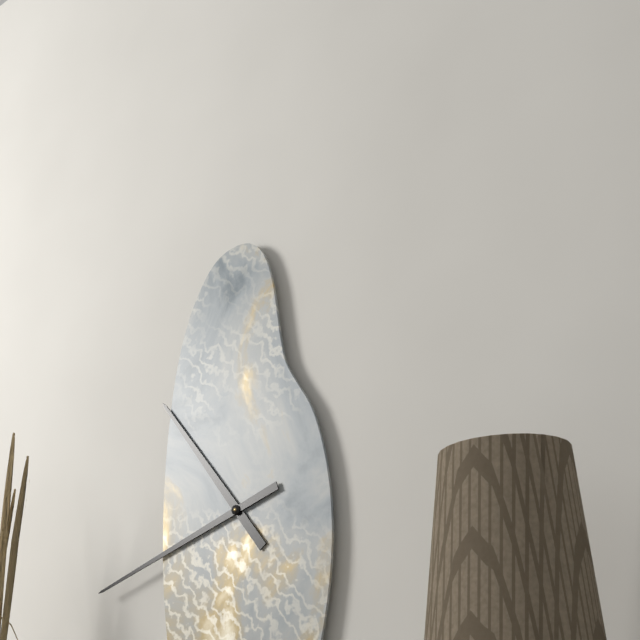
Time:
**10:42**
